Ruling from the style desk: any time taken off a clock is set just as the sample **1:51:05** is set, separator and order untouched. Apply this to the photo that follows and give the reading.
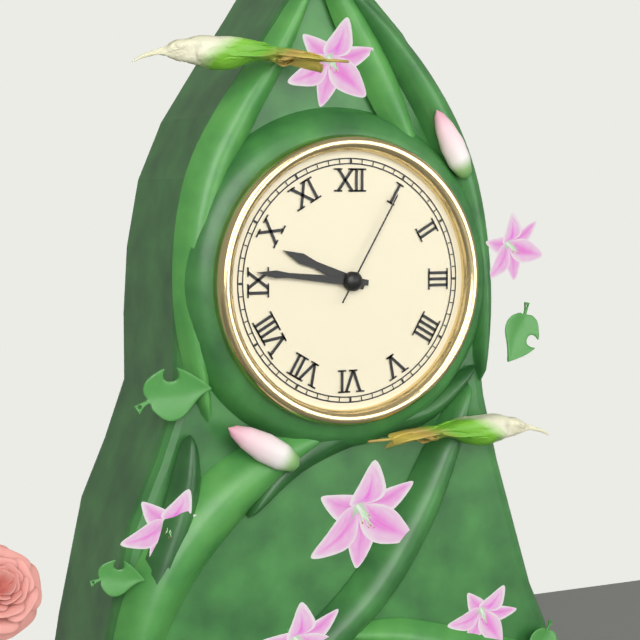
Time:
**9:46:05**
